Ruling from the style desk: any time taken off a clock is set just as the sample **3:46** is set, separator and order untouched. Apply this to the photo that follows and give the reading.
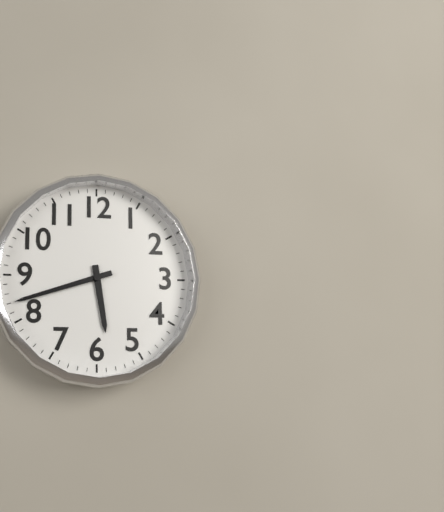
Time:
**5:42**
